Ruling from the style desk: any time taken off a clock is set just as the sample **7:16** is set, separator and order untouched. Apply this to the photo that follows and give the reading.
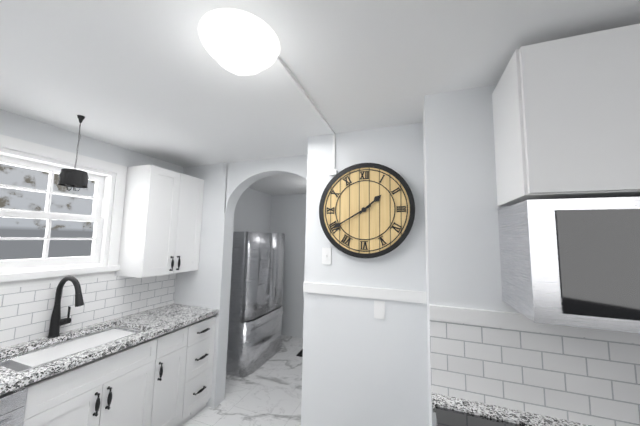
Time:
**1:40**
